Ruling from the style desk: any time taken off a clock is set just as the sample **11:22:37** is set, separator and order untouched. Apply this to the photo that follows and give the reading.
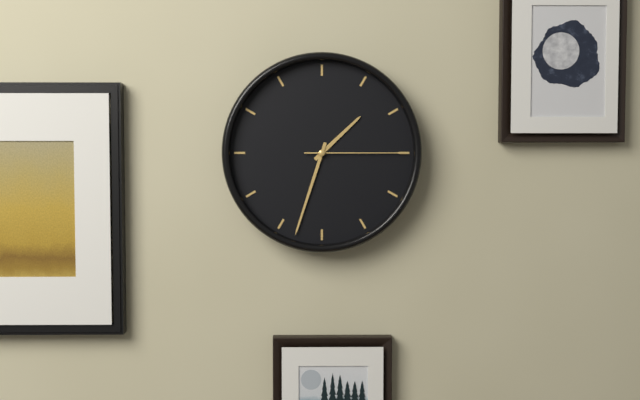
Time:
**1:33:15**
